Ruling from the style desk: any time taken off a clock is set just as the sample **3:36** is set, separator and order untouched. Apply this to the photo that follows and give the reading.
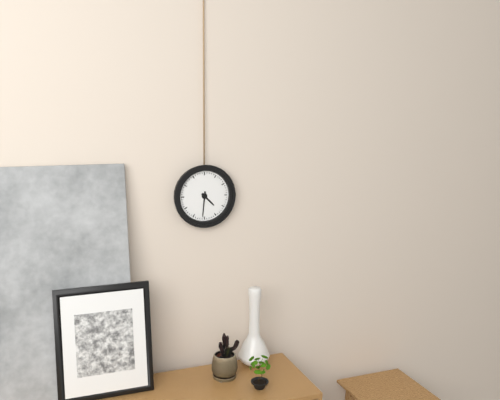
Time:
**4:31**
